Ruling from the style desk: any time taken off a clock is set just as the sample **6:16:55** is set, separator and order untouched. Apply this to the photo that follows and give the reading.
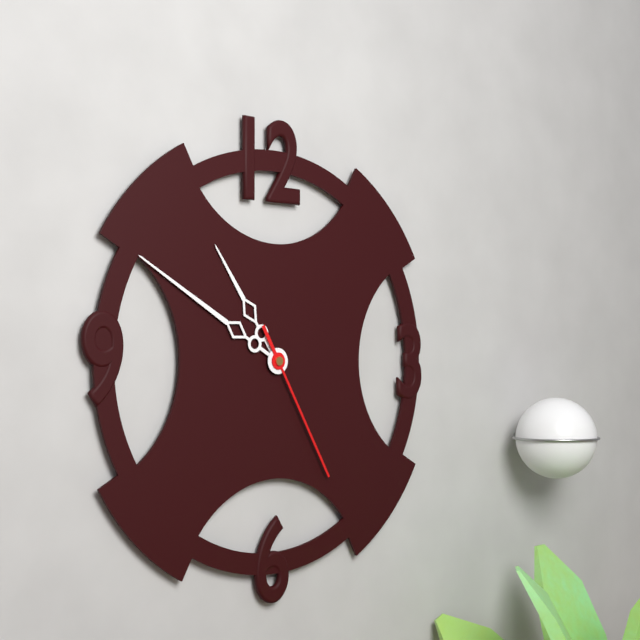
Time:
**10:50:25**
